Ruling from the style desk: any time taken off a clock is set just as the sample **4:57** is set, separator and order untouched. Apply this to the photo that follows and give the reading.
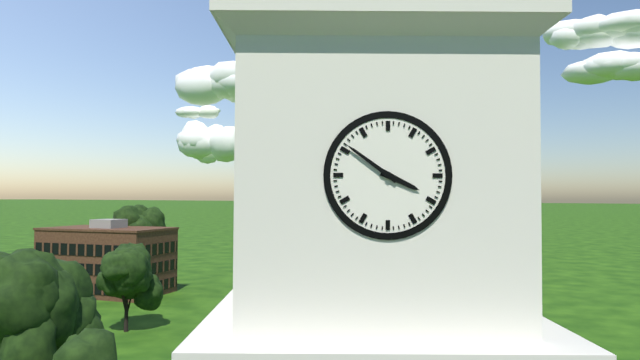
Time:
**3:51**
